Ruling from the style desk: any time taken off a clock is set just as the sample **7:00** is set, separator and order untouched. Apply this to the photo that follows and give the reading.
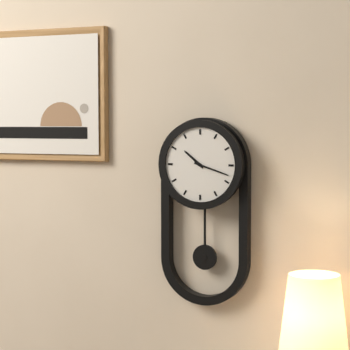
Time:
**10:18**
